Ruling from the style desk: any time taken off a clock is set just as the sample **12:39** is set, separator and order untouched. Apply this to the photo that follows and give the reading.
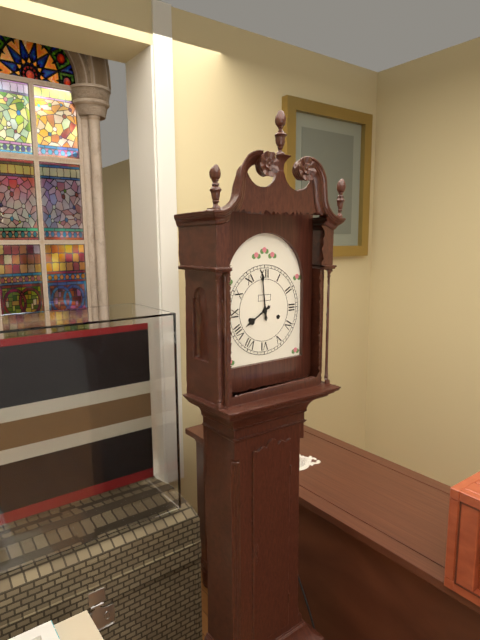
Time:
**7:59**
